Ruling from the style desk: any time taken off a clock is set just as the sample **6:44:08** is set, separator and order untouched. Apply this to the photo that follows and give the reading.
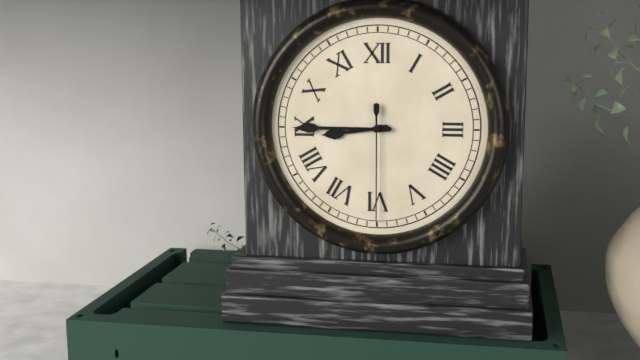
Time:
**8:45:30**
